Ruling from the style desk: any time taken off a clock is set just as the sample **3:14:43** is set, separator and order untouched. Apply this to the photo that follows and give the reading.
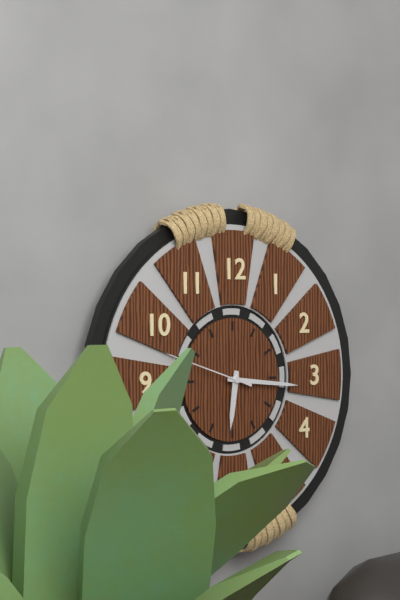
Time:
**6:16:48**
